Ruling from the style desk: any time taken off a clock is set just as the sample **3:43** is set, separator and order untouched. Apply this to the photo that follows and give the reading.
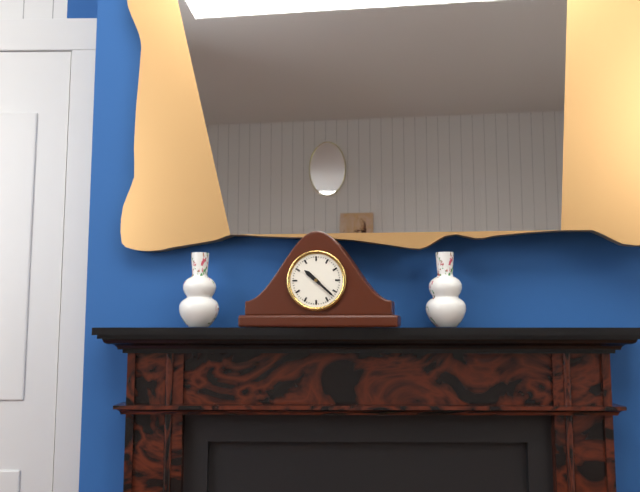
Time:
**10:22**
